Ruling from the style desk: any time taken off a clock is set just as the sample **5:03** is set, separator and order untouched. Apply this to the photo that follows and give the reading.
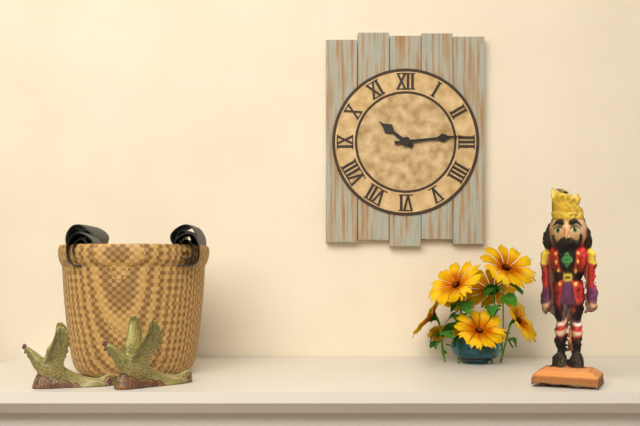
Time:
**10:14**
